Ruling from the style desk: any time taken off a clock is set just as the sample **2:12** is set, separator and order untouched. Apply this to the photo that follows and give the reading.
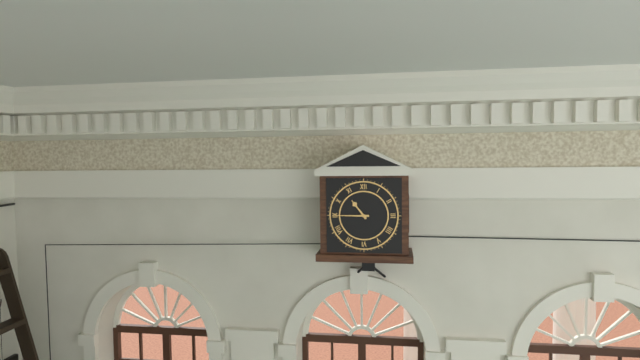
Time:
**10:45**
